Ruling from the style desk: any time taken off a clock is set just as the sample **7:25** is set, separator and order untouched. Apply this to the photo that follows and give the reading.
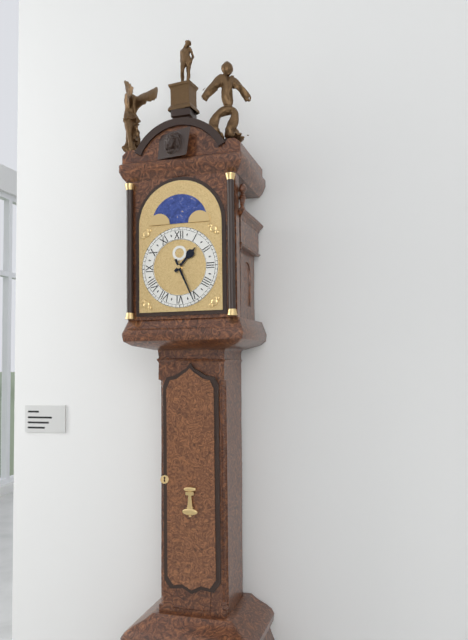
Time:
**1:26**
